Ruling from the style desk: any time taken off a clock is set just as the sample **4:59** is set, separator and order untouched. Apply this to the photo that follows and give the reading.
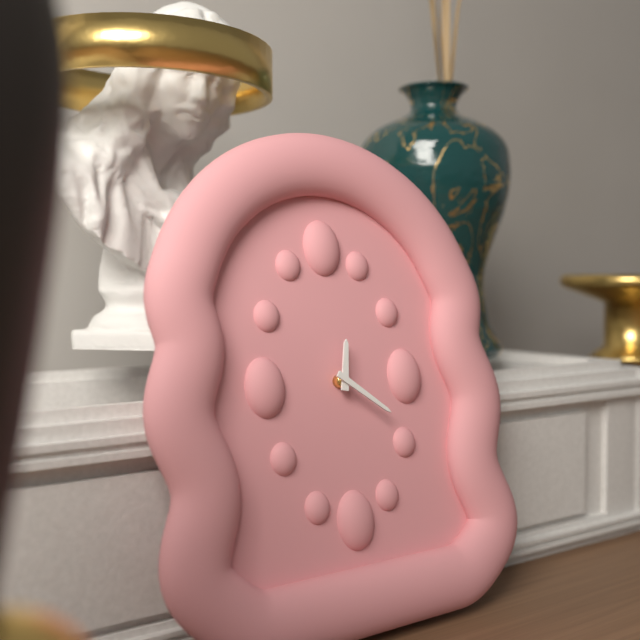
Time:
**12:21**
